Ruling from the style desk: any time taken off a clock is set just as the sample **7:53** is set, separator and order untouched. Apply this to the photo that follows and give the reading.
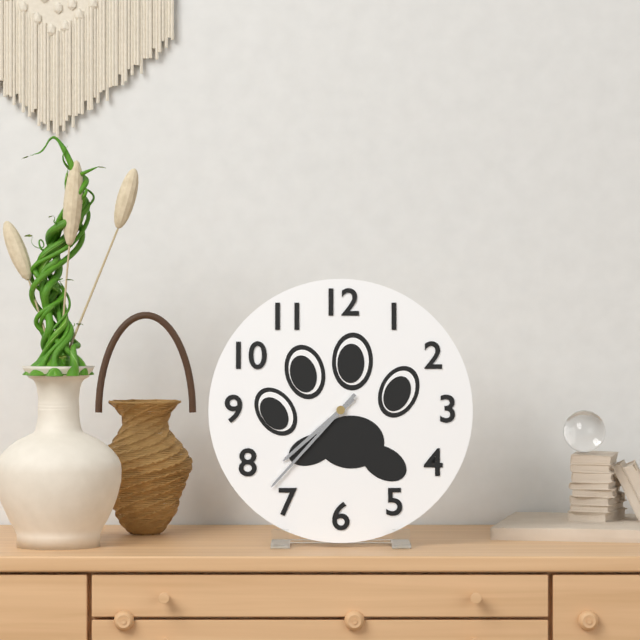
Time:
**7:37**
